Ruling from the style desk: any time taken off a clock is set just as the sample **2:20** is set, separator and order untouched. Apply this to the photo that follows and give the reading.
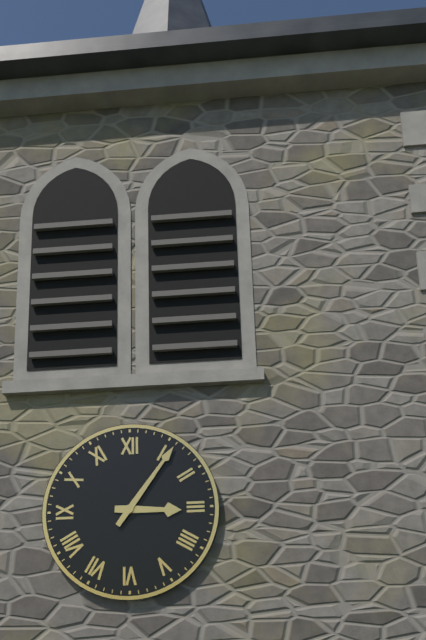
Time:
**3:06**
